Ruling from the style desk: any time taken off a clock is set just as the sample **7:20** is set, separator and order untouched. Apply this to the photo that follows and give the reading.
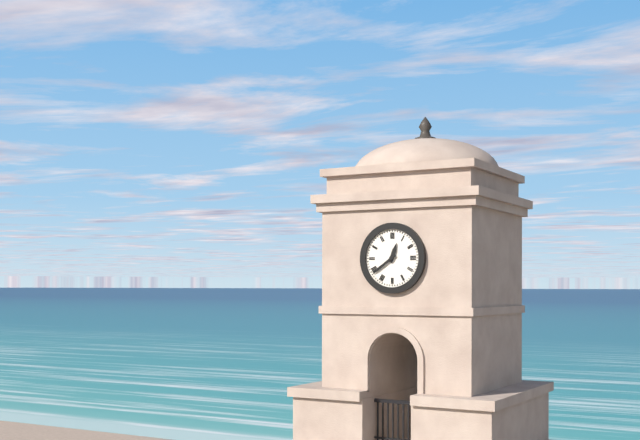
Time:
**12:39**
